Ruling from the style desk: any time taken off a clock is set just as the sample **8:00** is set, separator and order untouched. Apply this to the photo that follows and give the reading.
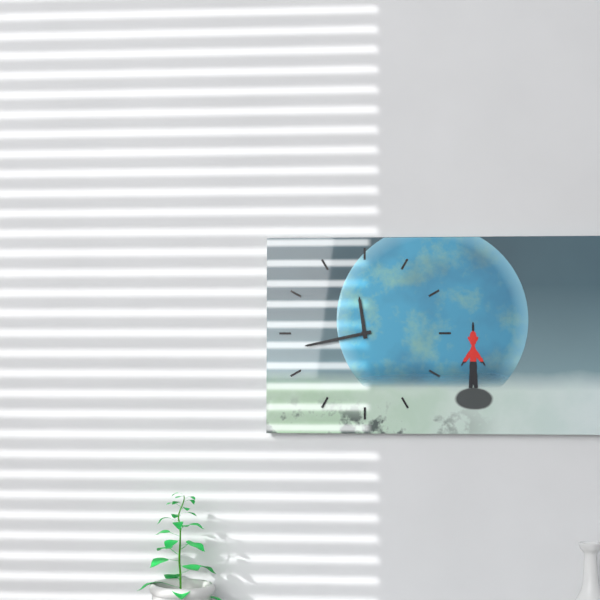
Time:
**11:43**
